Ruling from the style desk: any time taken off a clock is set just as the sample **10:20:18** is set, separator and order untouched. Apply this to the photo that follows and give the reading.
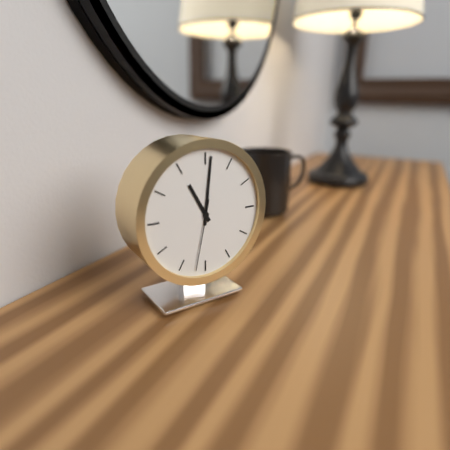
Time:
**11:01:32**
